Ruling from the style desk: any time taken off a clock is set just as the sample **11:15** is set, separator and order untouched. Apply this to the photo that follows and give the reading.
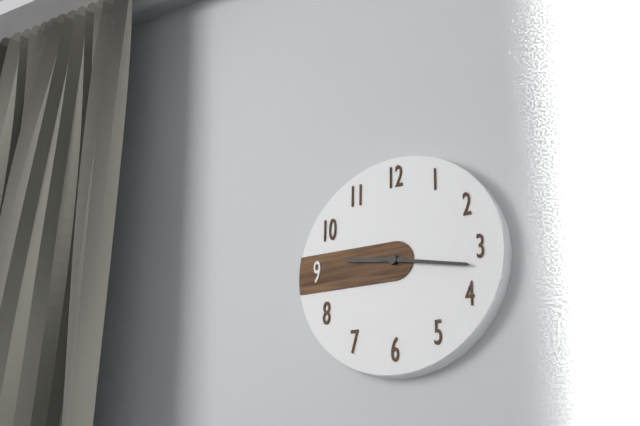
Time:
**9:17**
